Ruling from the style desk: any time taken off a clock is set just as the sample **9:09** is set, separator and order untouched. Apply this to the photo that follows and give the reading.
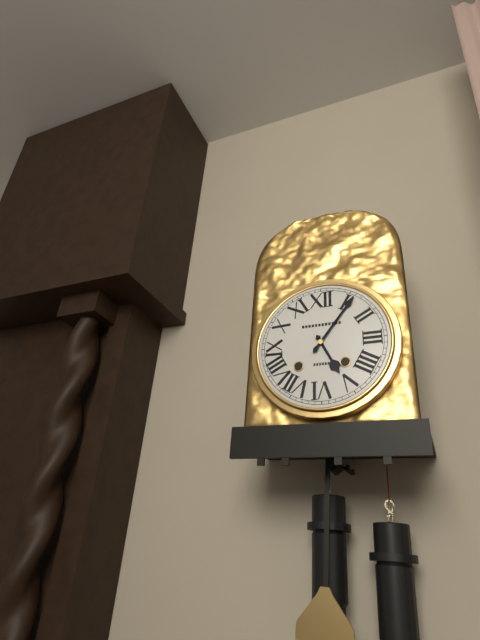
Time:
**5:06**
